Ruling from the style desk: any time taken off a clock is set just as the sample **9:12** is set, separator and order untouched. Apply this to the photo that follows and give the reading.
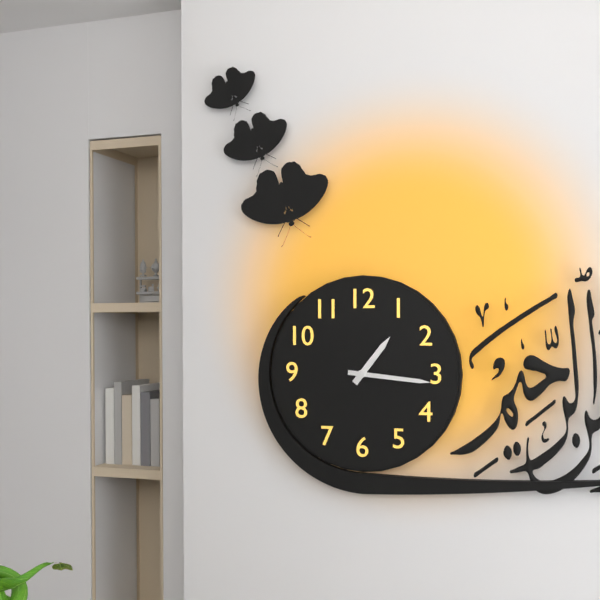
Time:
**1:16**
